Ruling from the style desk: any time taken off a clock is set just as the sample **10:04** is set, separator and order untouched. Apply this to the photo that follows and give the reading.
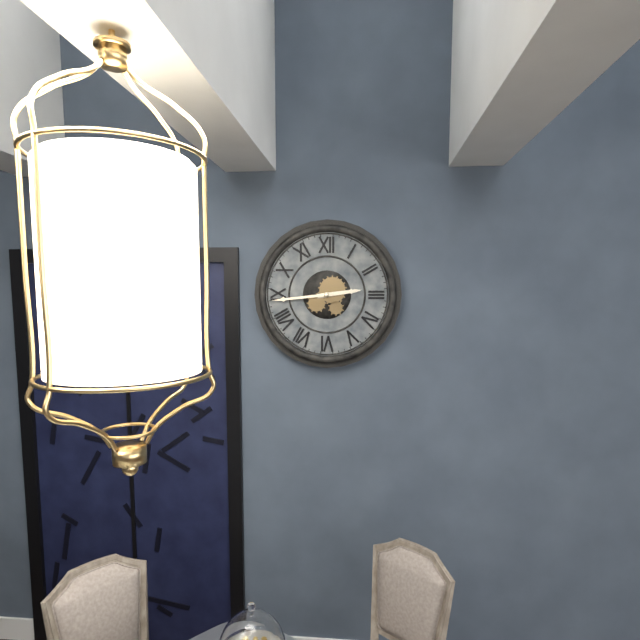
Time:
**2:44**
